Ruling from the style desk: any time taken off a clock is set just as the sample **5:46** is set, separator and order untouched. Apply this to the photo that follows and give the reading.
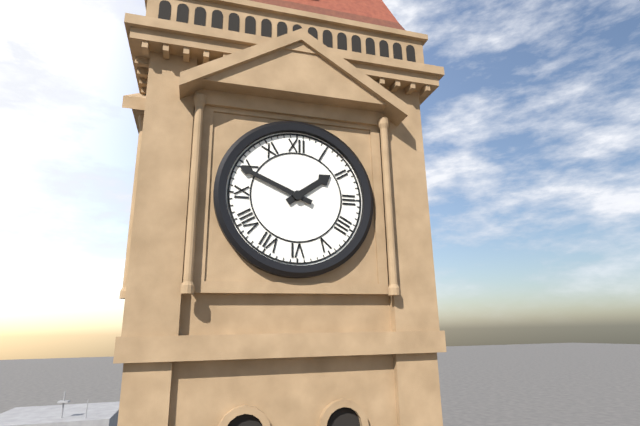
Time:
**1:49**
